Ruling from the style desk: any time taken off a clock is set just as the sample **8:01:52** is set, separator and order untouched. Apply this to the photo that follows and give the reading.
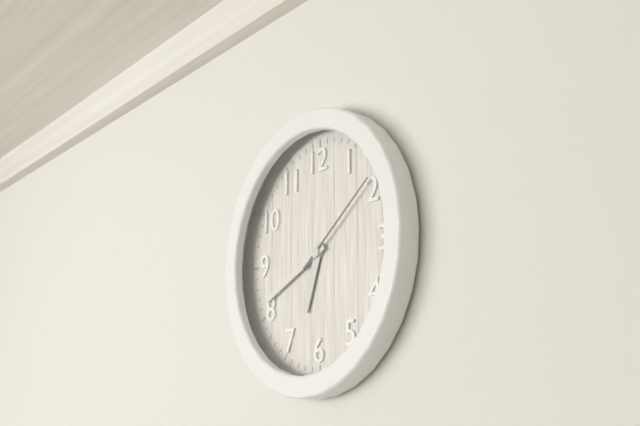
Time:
**6:41:09**
